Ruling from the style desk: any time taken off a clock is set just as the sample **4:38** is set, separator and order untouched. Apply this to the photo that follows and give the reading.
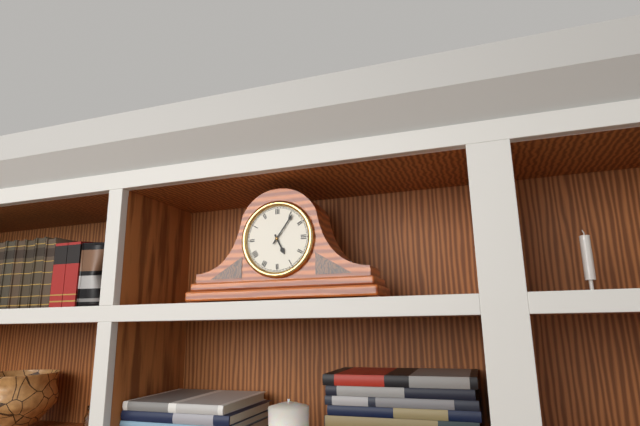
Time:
**5:06**
